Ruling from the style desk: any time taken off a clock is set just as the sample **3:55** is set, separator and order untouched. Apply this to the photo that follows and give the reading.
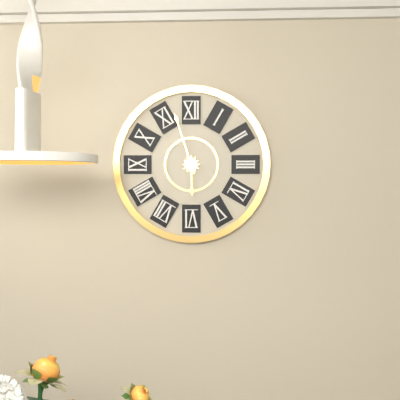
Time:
**5:57**
